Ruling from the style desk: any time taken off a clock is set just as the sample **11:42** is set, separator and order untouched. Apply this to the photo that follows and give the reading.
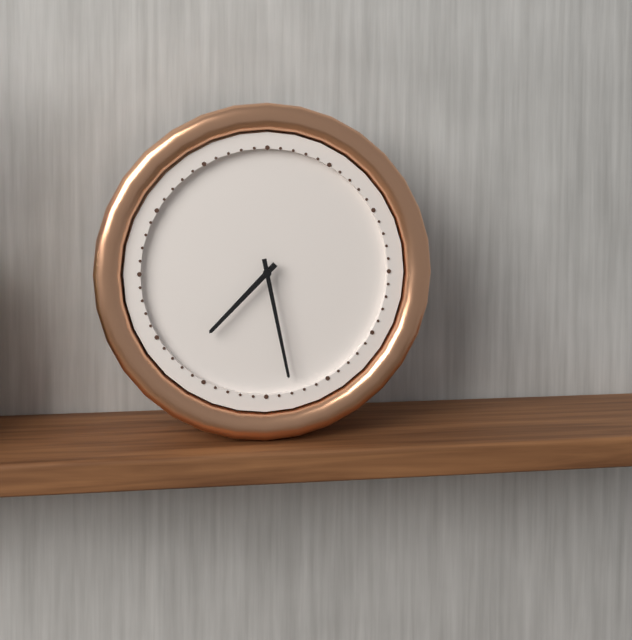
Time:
**7:28**
